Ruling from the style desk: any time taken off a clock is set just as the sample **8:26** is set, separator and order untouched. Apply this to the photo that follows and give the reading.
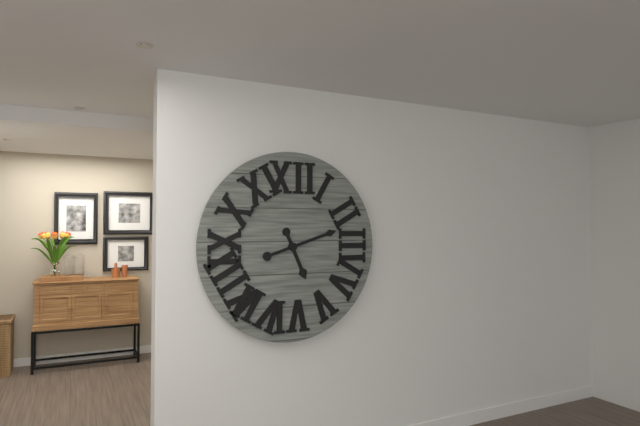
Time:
**5:12**
